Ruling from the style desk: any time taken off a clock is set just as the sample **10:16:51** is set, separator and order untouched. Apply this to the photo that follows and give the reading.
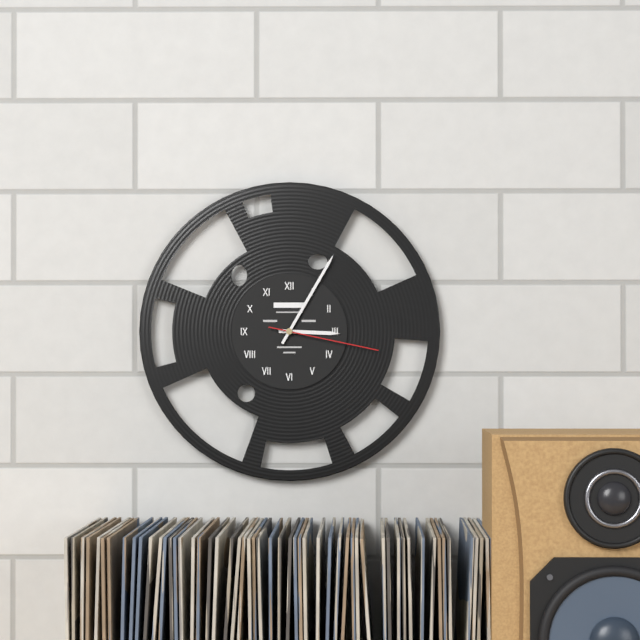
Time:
**3:05:17**
